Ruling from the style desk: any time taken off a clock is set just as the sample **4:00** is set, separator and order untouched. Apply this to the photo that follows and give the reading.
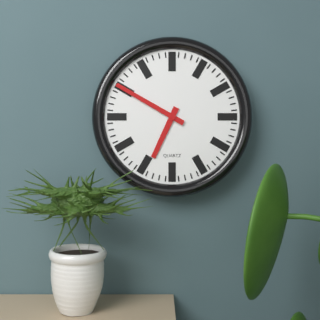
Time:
**6:50**
